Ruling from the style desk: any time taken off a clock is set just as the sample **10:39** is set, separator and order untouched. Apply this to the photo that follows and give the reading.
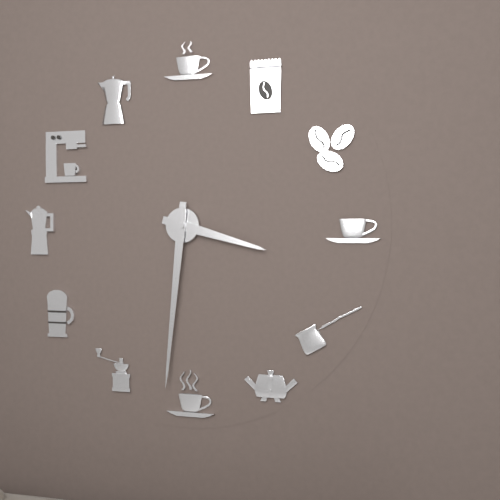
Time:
**3:31**
